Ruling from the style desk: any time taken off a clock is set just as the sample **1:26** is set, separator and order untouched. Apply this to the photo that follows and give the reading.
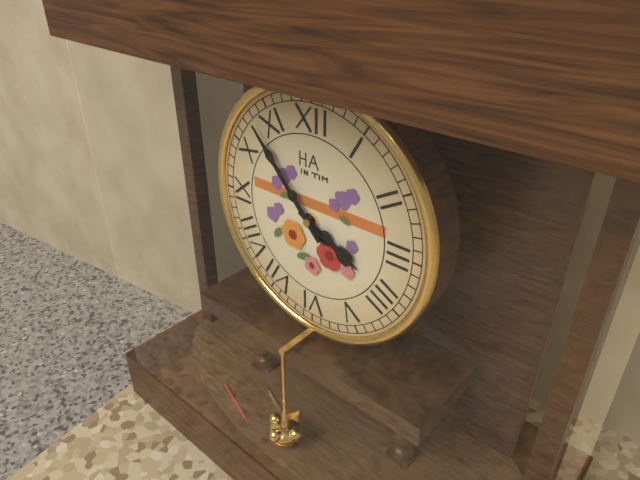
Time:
**3:53**
